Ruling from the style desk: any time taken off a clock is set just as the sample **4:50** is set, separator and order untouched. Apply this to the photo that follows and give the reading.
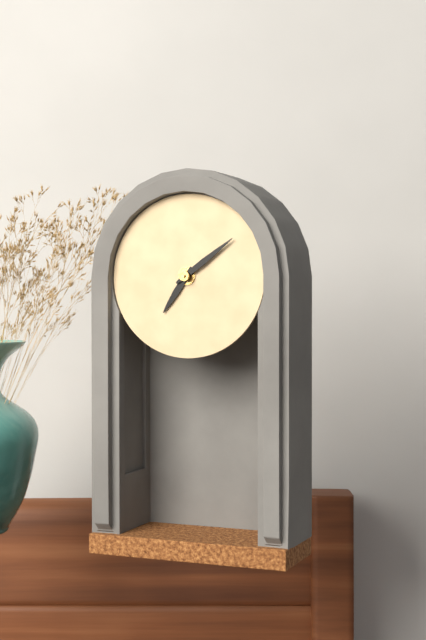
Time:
**7:09**
